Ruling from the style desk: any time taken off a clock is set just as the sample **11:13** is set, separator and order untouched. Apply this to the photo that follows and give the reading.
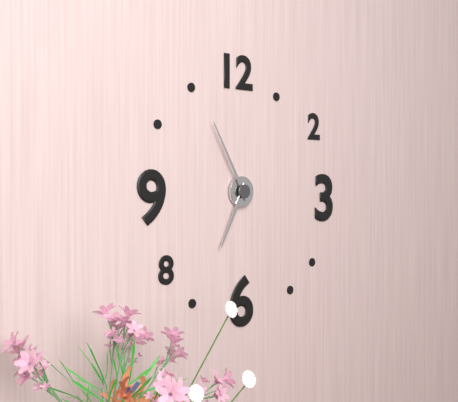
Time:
**6:55**
